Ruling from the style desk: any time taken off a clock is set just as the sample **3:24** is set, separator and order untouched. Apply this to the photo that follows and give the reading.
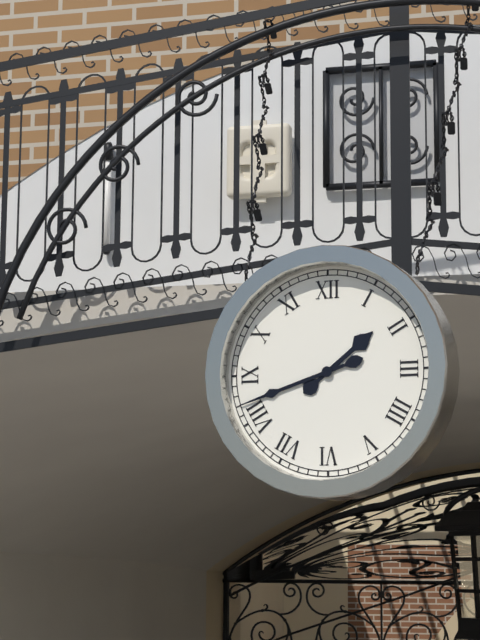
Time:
**1:42**
